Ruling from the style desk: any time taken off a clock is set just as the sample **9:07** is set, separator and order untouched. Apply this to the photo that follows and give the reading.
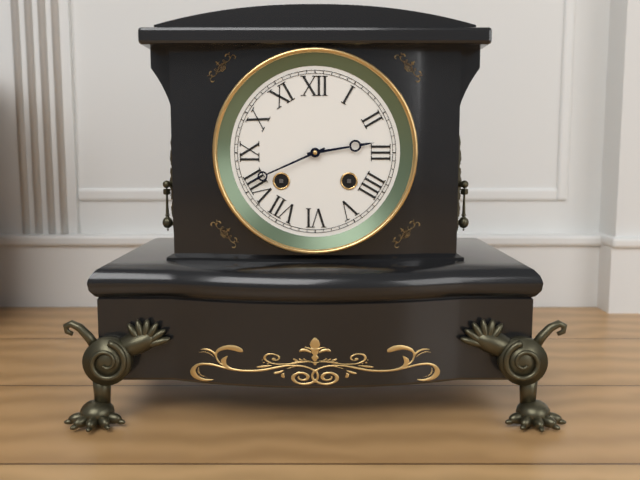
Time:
**2:41**
